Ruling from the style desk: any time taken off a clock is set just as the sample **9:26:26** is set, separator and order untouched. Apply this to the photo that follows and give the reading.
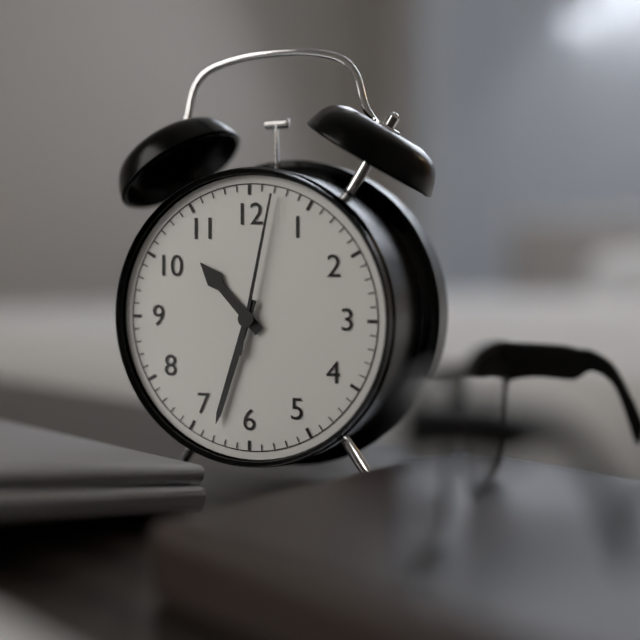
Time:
**10:33:02**
